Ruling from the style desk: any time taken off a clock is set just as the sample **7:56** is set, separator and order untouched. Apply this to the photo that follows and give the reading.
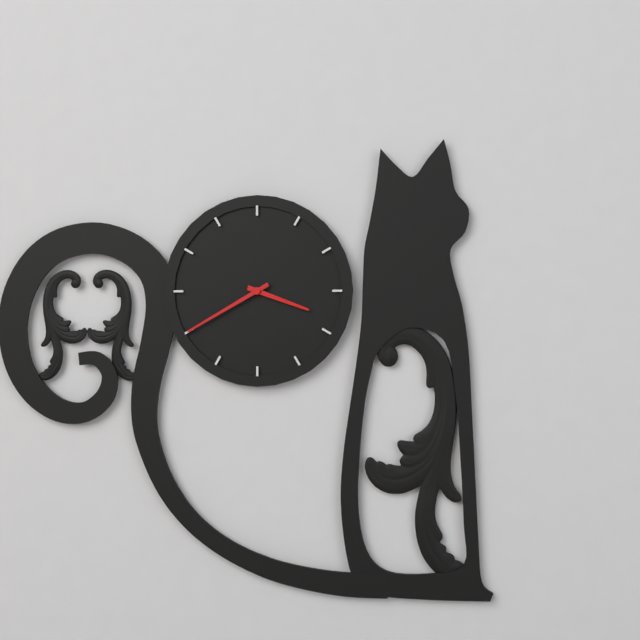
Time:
**3:40**
